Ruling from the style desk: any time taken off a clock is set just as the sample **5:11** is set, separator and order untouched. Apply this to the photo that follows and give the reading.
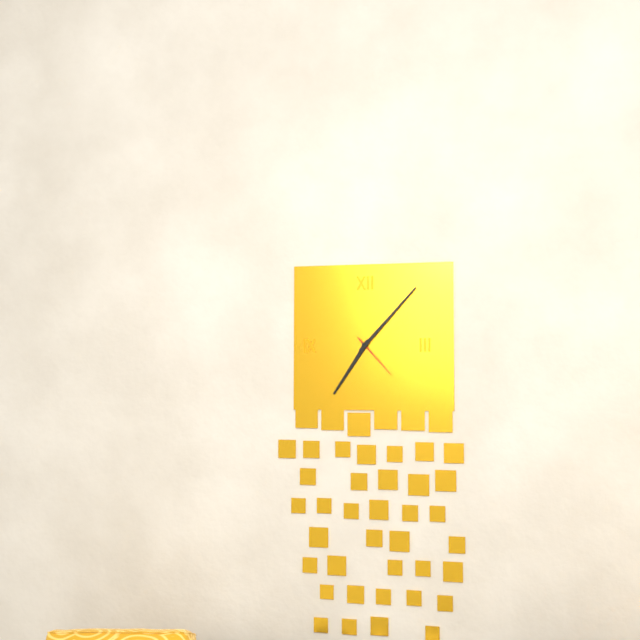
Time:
**7:07**
